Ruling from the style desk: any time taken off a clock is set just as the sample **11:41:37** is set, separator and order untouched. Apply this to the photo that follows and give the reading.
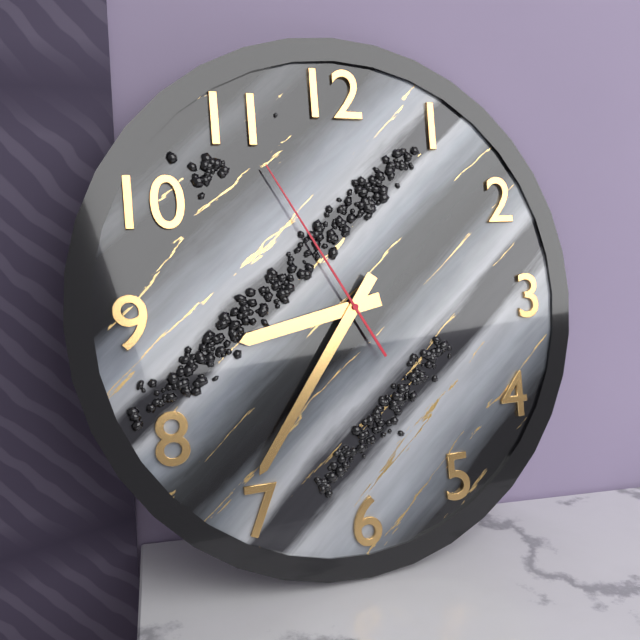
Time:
**8:36:55**
